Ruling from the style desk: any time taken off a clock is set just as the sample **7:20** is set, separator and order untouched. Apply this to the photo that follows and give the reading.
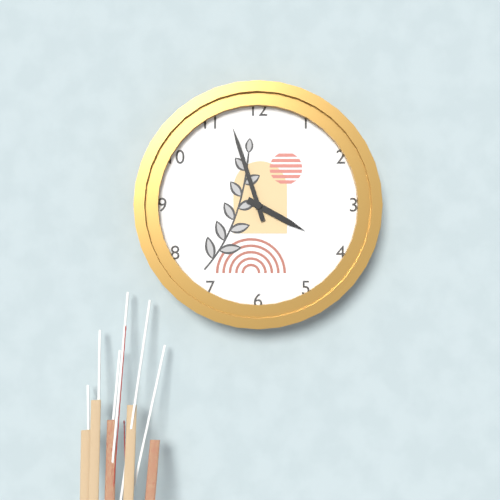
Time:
**3:57**
